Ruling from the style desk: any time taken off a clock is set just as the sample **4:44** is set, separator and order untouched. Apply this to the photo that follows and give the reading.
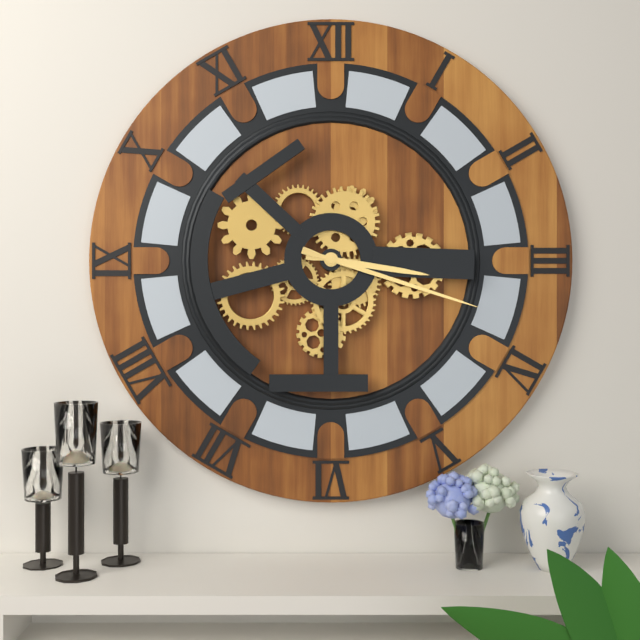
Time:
**3:18**
